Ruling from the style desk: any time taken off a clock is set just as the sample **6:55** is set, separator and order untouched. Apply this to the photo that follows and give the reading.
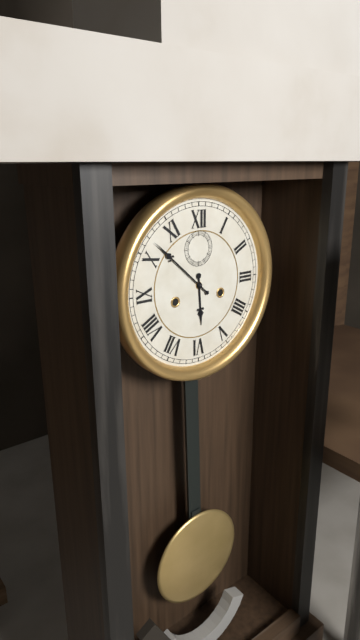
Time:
**5:52**
